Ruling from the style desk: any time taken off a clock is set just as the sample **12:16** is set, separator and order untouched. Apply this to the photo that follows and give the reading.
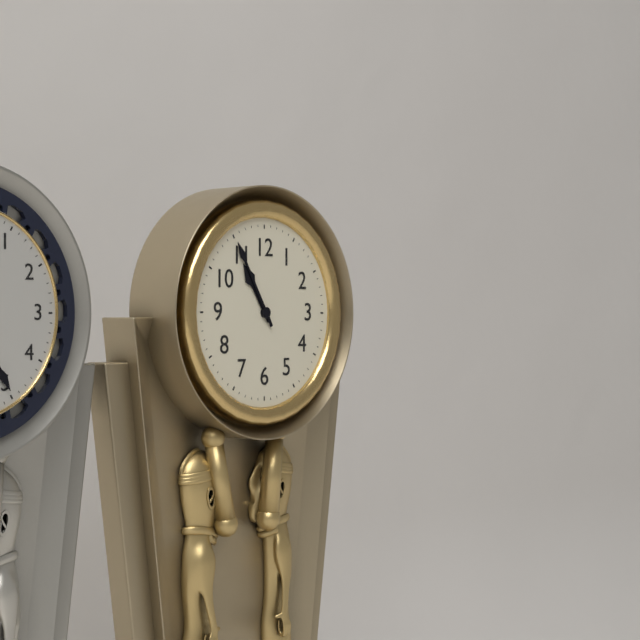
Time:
**10:55**
